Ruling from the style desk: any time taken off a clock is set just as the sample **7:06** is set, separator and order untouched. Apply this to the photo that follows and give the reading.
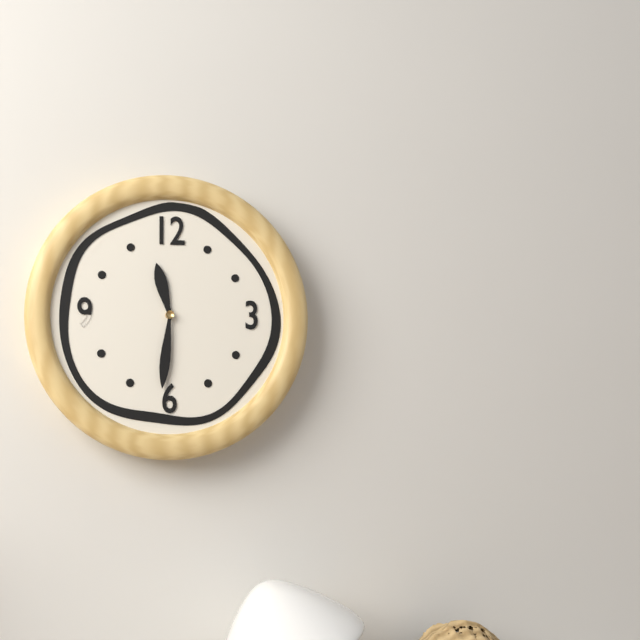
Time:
**11:31**
